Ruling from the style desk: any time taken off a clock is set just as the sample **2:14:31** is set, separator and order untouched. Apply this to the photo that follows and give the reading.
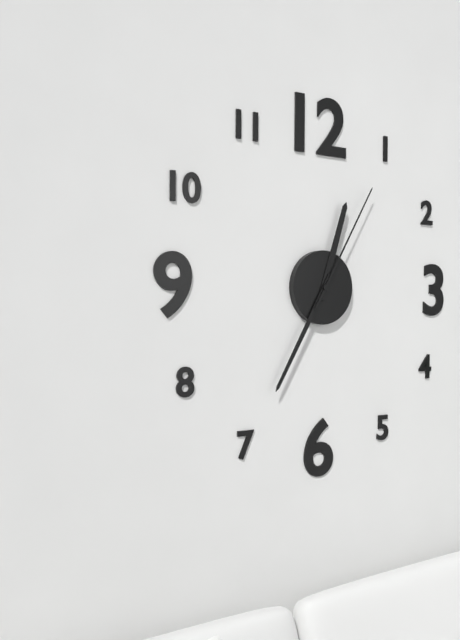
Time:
**12:35:05**
